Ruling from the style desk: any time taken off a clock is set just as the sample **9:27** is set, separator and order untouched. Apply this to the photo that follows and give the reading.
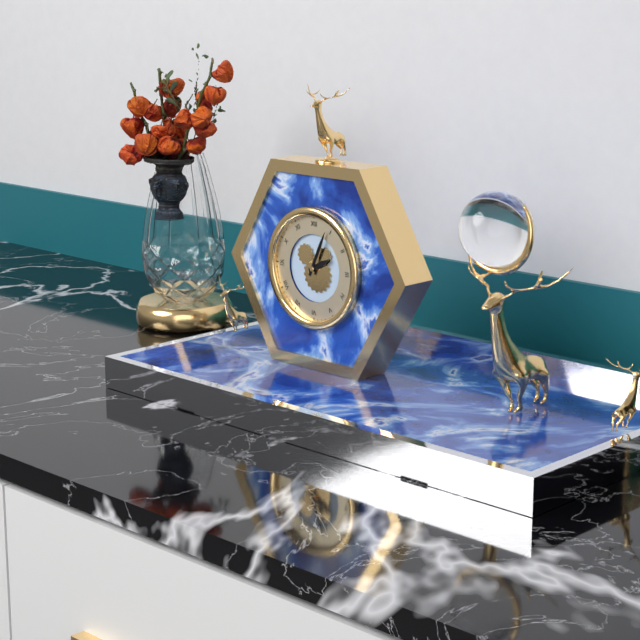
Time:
**2:04**
